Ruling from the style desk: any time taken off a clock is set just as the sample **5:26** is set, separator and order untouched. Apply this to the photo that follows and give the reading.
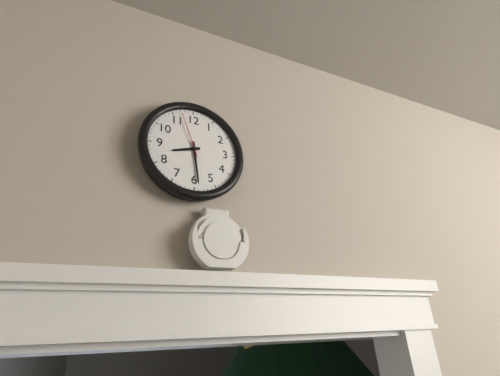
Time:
**8:29**
